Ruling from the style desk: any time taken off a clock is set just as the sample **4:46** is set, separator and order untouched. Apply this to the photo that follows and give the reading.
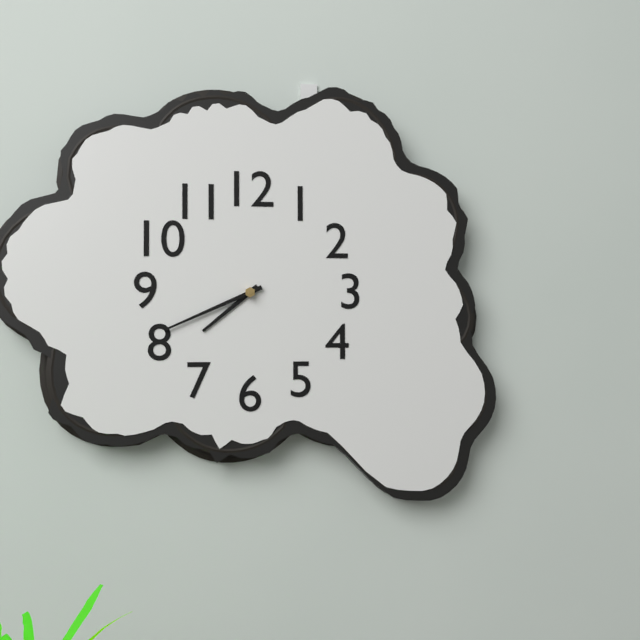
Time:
**7:41**
